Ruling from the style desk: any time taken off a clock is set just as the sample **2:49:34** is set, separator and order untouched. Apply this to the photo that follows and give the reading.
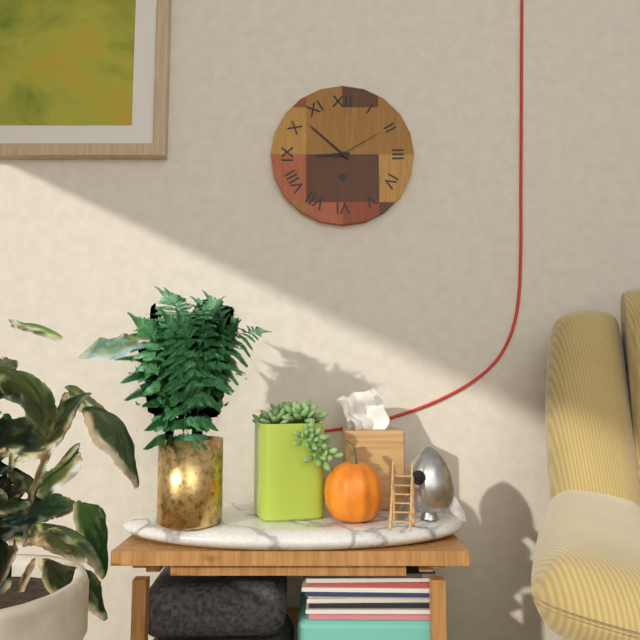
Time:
**8:52:10**
